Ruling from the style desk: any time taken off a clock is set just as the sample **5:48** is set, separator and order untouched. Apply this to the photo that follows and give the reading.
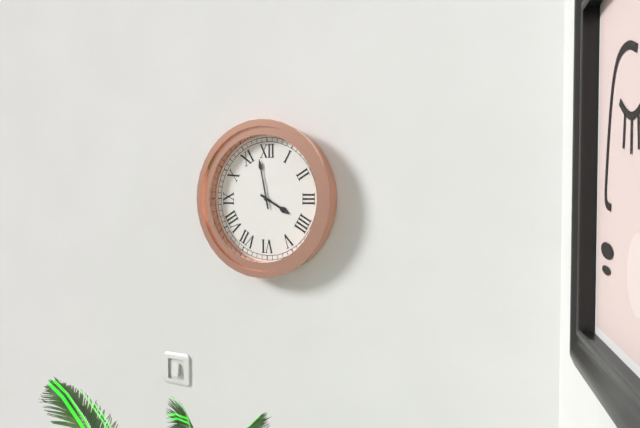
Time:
**3:58**
